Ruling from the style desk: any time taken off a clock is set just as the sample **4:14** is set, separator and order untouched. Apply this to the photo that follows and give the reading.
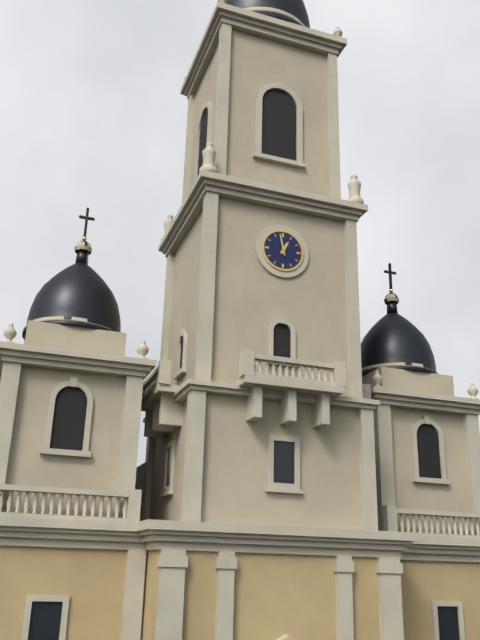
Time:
**12:58**
